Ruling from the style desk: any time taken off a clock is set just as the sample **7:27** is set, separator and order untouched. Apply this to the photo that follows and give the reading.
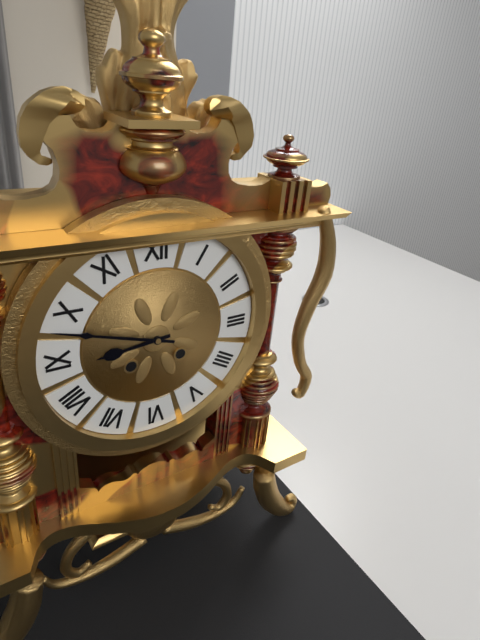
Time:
**8:48**
